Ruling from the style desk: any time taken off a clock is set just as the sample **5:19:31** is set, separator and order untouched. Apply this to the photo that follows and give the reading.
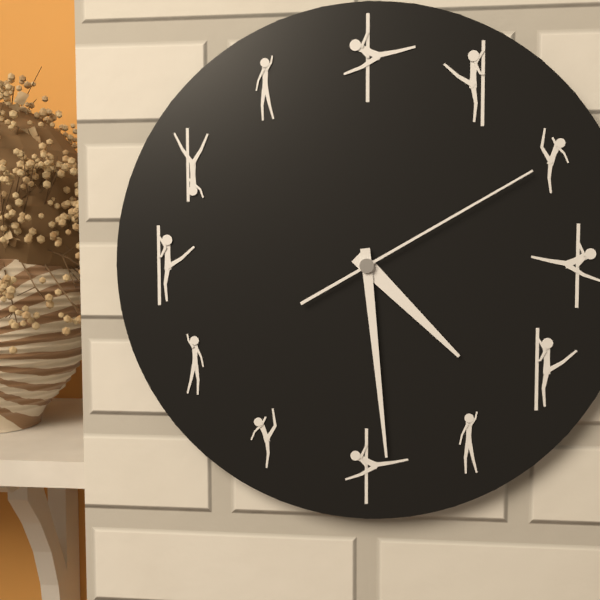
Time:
**4:29:10**
